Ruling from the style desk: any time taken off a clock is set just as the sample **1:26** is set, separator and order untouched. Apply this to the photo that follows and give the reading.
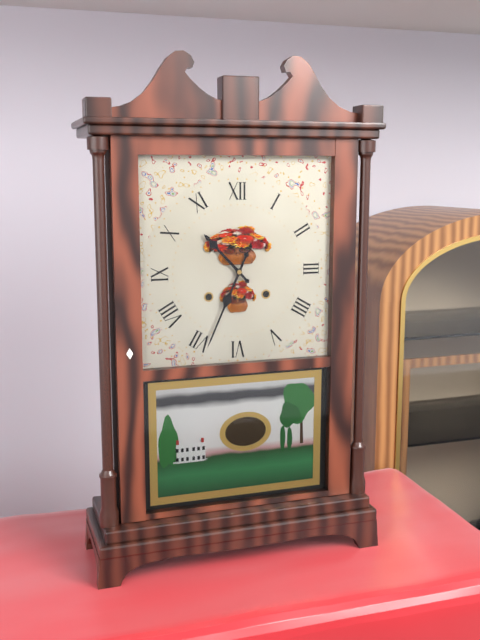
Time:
**10:34**
